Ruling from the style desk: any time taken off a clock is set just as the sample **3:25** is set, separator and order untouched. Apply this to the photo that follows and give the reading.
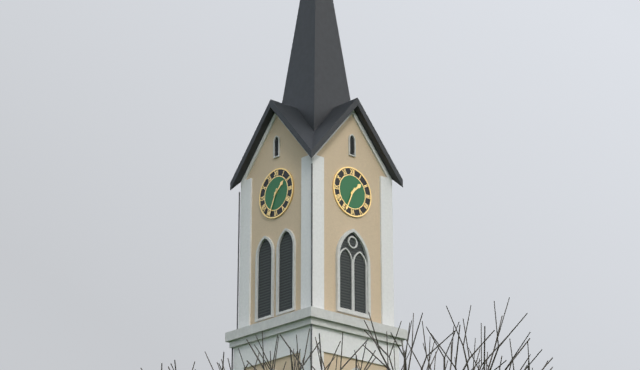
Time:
**1:34**
